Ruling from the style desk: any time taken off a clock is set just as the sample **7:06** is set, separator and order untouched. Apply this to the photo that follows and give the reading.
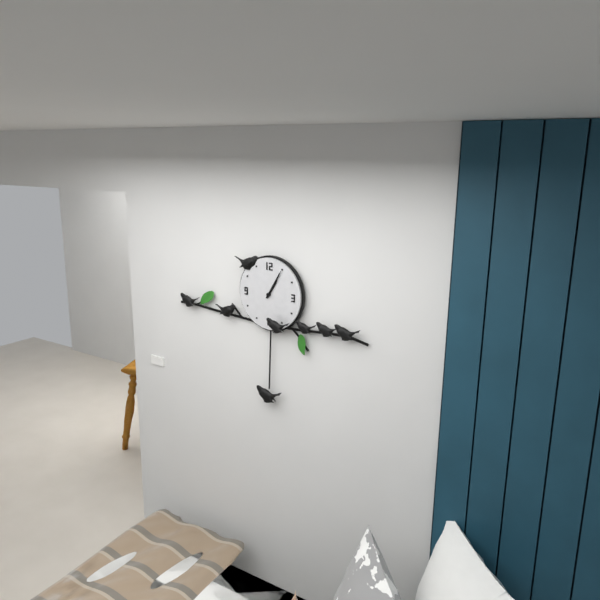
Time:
**1:05**
